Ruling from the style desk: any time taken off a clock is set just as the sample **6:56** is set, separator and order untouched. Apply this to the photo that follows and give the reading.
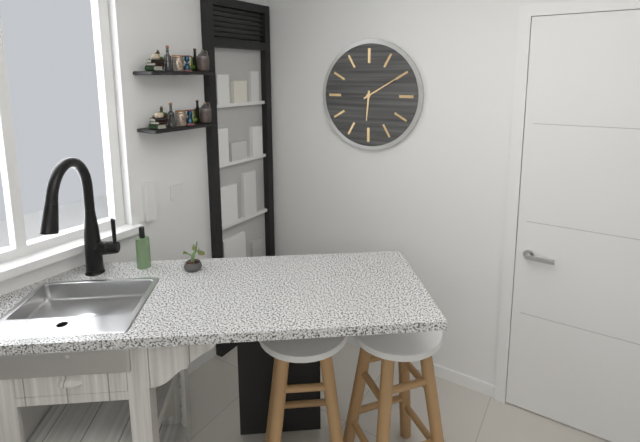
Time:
**6:10**
